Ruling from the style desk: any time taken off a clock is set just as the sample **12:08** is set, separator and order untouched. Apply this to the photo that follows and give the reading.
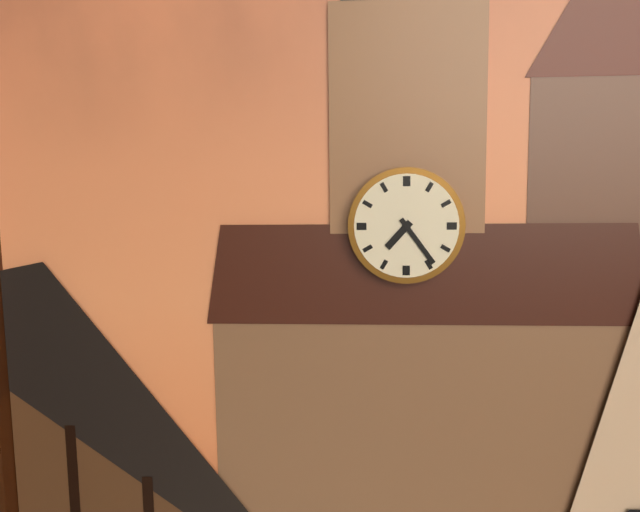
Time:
**7:24**
